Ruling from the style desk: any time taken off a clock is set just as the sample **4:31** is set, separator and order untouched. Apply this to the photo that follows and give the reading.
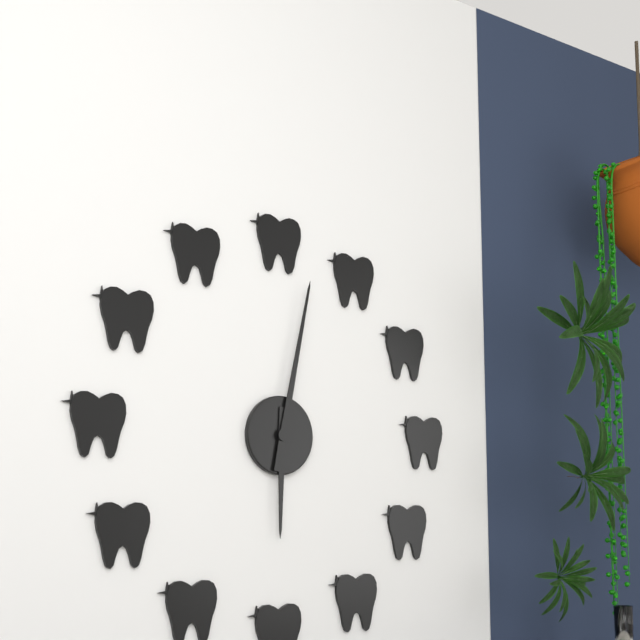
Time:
**6:02**
